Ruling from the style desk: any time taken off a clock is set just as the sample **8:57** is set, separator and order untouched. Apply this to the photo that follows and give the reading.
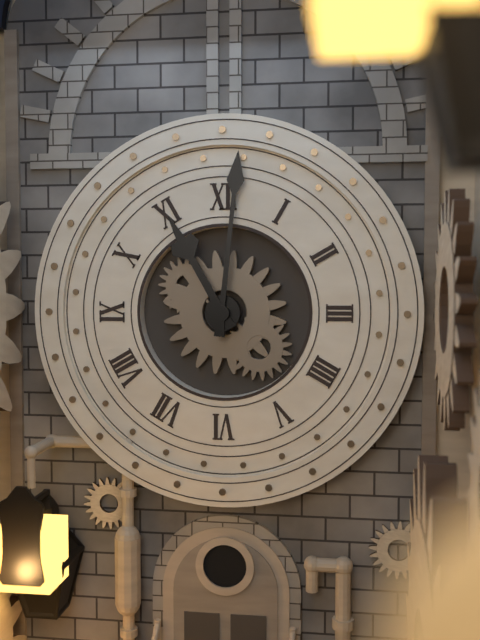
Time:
**11:01**
